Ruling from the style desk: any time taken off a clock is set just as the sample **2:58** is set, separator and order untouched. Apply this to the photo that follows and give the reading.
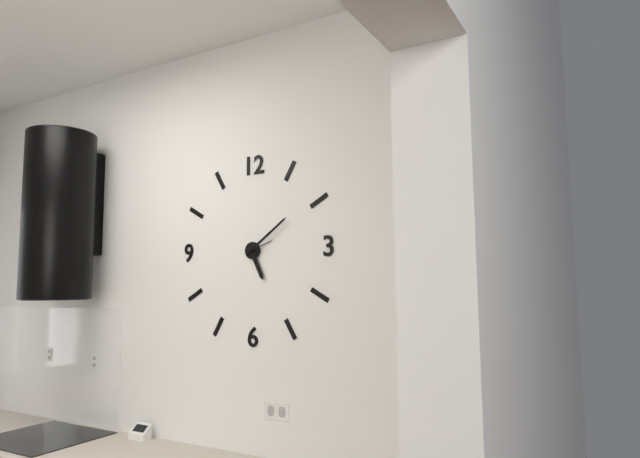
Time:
**5:09**
